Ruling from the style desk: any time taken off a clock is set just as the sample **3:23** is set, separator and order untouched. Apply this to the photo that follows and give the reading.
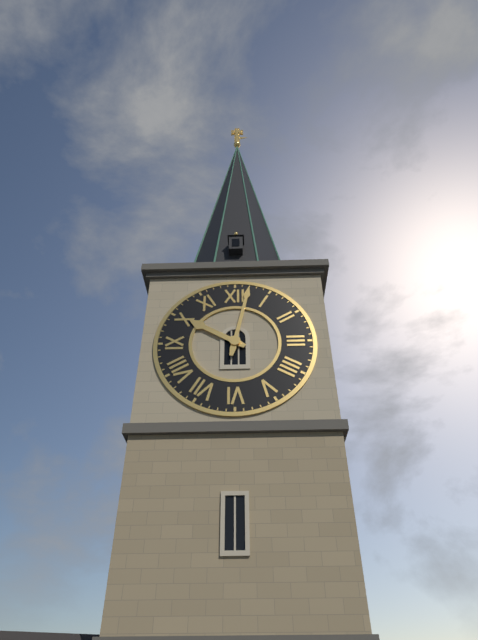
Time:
**10:02**
